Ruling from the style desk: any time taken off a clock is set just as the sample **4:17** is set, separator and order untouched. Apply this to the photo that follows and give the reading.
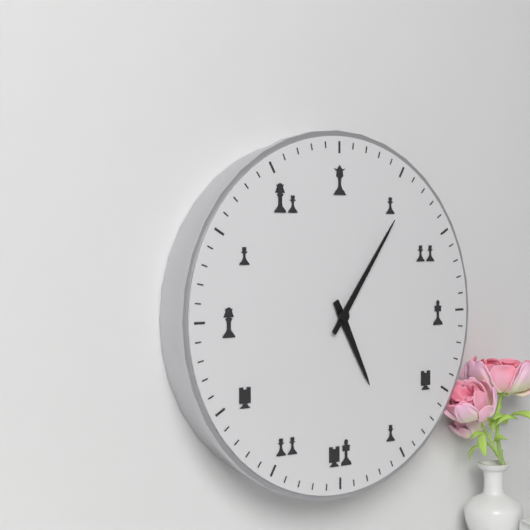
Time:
**5:06**
